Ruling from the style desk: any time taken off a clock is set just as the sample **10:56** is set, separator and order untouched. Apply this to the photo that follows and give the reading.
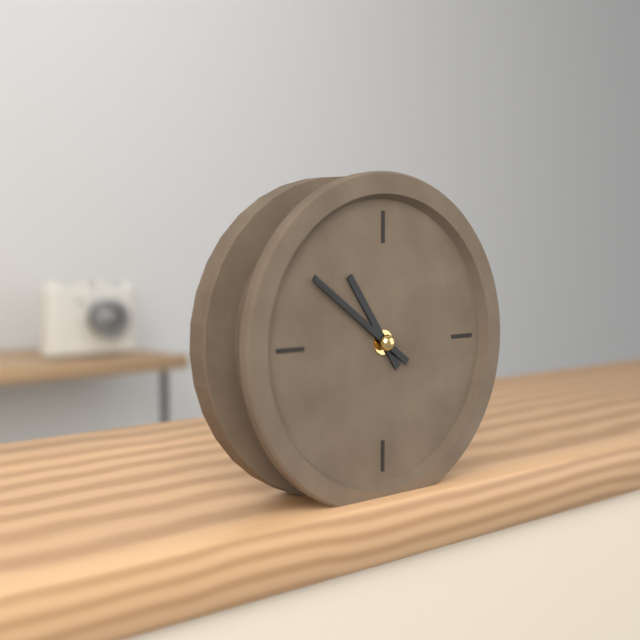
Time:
**10:51**
